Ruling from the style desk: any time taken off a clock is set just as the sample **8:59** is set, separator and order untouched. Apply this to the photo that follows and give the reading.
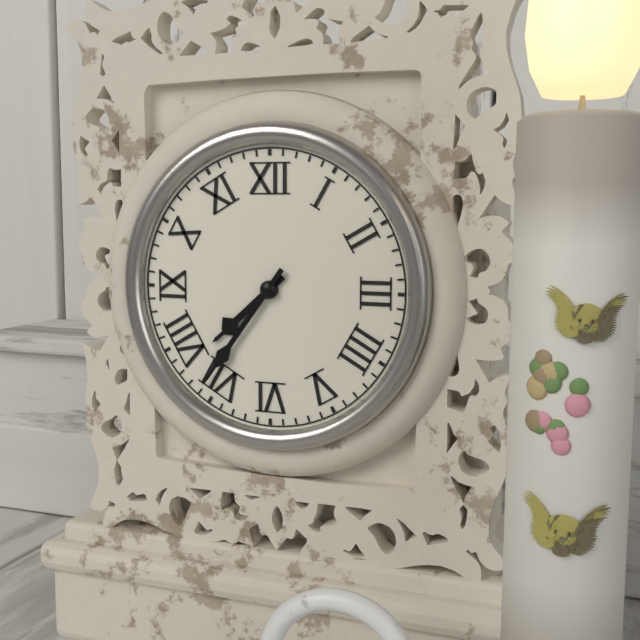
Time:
**7:36**
